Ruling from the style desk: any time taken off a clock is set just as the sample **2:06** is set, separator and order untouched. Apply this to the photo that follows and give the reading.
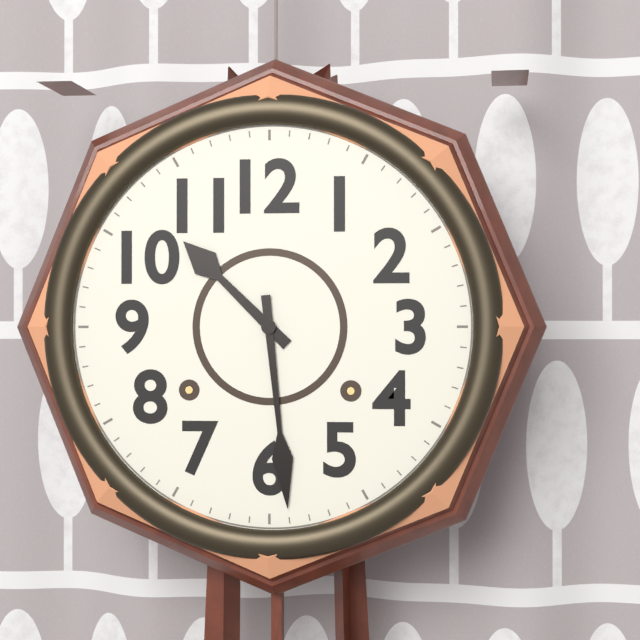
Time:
**10:29**
